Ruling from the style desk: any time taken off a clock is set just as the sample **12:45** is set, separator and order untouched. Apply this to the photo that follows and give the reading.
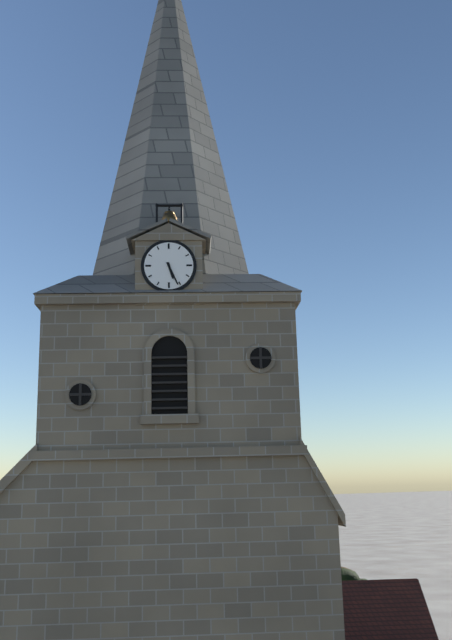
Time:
**5:26**
